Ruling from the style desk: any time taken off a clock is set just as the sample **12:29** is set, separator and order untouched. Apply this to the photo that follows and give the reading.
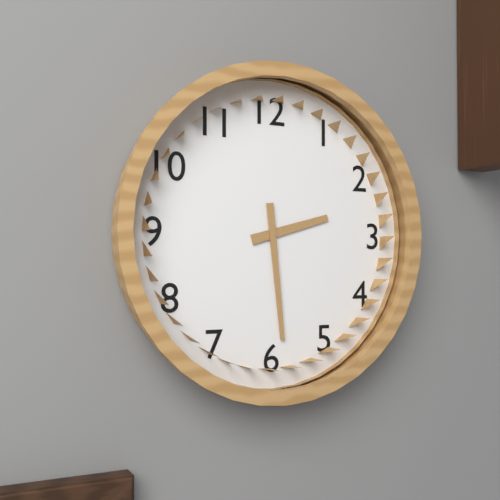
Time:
**2:29**
